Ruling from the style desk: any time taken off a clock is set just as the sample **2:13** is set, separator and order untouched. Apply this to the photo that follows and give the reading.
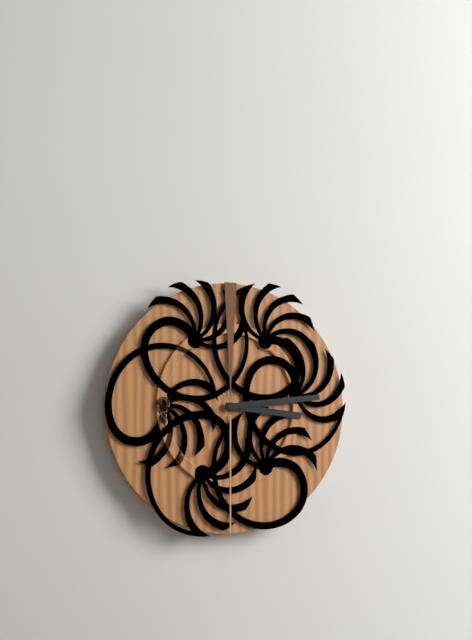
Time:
**3:14**
